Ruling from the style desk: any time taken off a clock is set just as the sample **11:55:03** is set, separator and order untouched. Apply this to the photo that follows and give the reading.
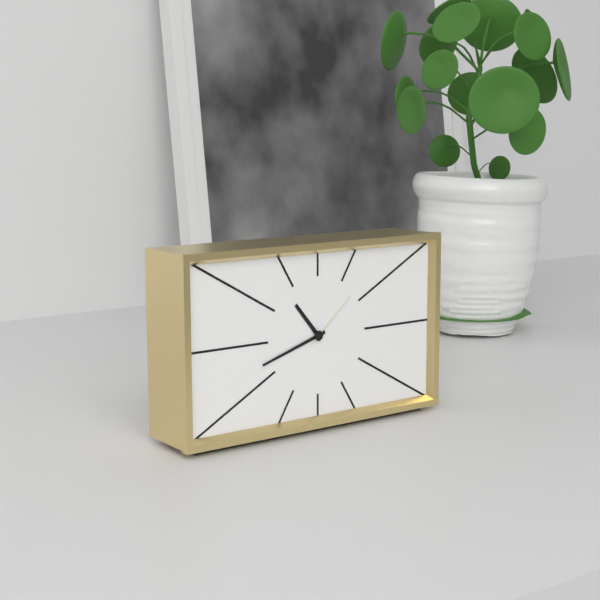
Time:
**10:42:08**
